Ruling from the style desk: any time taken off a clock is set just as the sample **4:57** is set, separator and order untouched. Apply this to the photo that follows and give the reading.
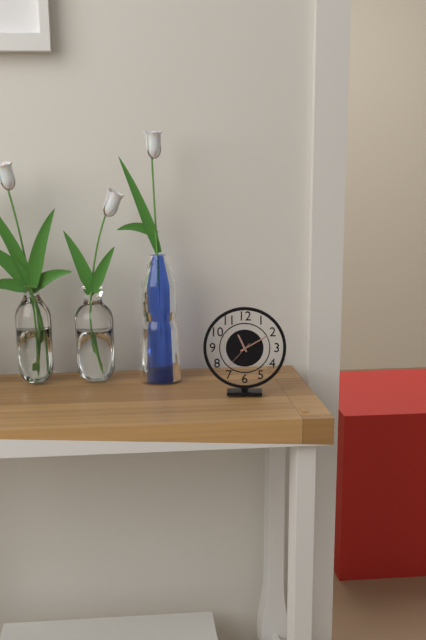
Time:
**11:10**
